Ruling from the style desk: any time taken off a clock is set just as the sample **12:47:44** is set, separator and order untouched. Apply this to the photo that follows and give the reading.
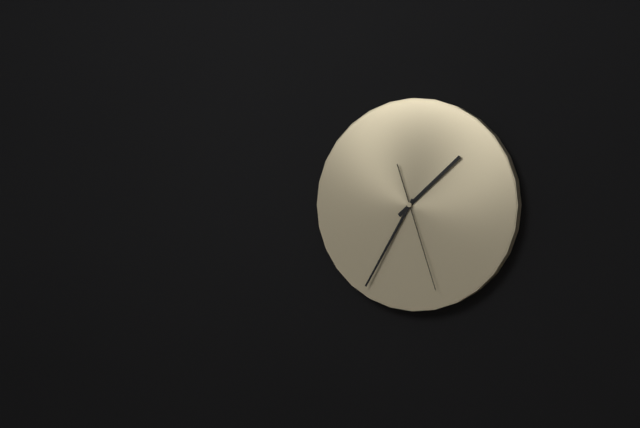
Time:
**1:35:27**
